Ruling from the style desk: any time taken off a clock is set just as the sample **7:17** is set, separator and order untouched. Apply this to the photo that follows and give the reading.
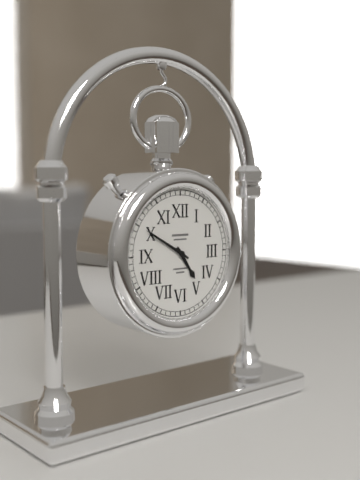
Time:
**4:50**
